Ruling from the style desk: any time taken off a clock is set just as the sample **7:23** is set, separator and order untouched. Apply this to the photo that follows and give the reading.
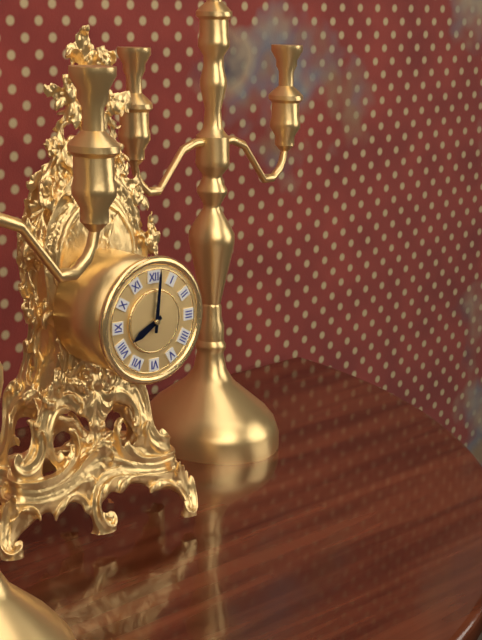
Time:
**8:01**
